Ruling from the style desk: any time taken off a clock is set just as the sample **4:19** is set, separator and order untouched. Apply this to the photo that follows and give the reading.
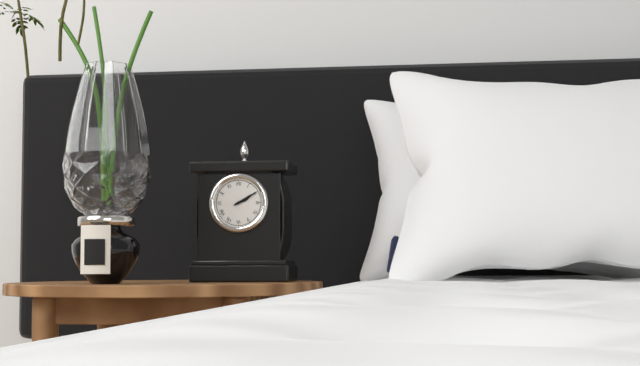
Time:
**2:10**
